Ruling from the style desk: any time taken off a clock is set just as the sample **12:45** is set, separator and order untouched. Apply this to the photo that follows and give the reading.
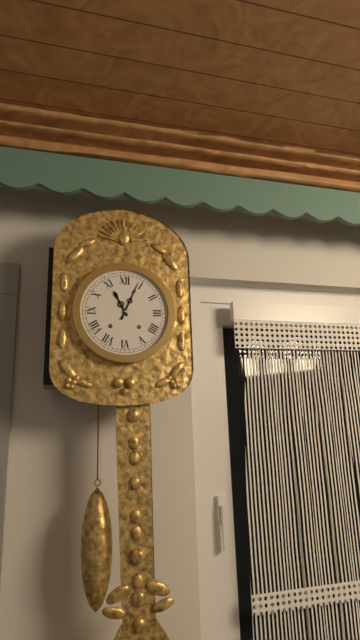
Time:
**11:04**
